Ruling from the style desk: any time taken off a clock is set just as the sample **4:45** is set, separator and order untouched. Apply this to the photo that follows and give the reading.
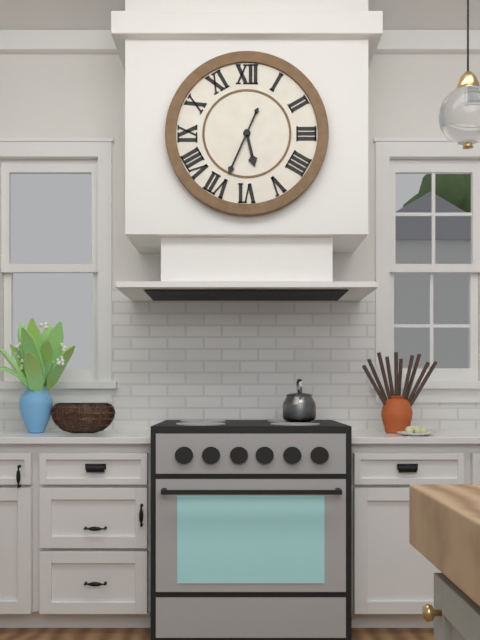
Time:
**5:34**
